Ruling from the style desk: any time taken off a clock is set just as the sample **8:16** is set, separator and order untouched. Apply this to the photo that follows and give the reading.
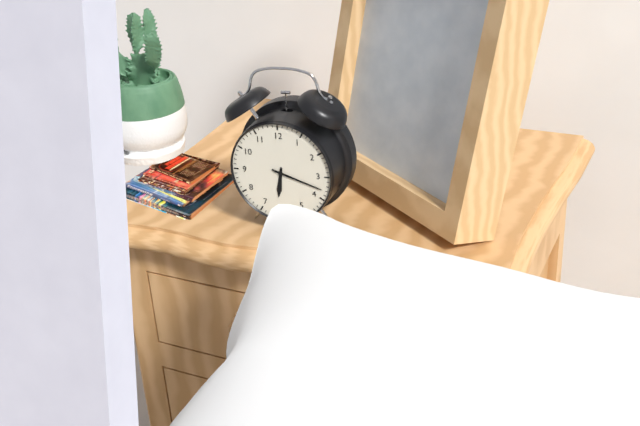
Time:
**6:18**
